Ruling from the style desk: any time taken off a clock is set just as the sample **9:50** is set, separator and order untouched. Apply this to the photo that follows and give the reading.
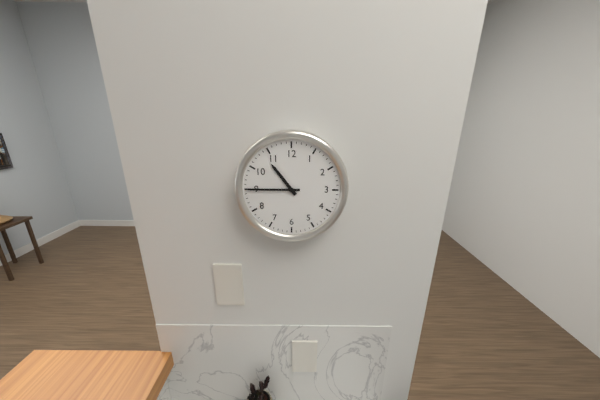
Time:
**10:45**
